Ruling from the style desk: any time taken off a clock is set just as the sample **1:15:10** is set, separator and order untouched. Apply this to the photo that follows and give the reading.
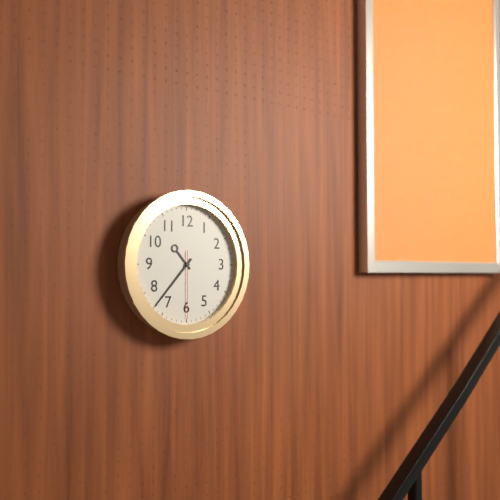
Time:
**10:37:30**
